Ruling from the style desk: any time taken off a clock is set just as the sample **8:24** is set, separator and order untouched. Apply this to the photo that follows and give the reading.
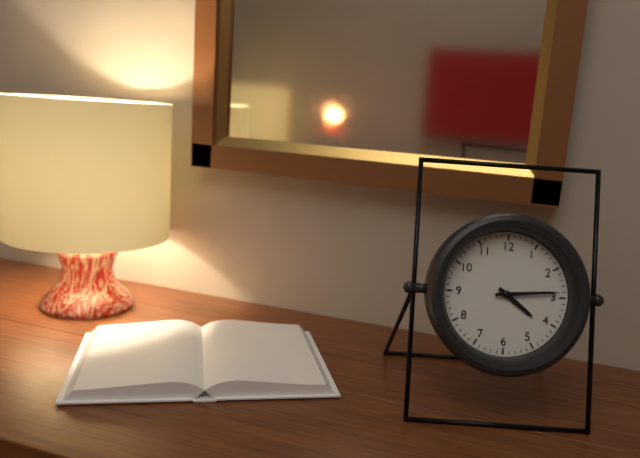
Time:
**4:14**
